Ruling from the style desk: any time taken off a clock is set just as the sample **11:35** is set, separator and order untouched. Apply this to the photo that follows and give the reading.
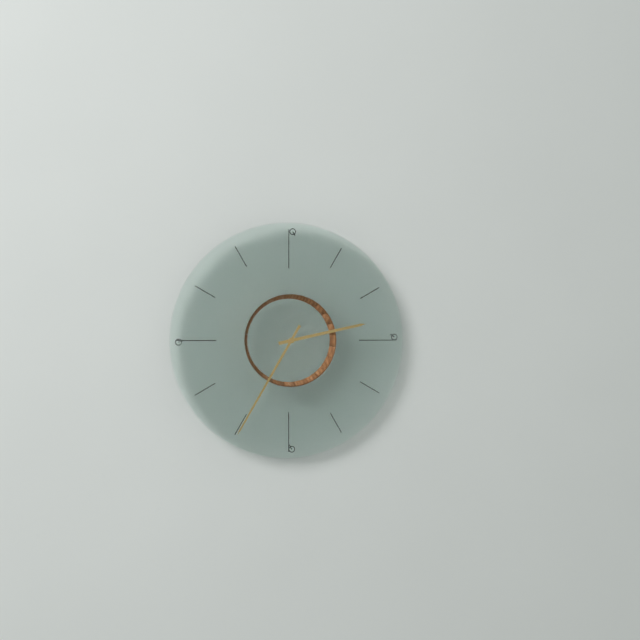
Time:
**2:35**
